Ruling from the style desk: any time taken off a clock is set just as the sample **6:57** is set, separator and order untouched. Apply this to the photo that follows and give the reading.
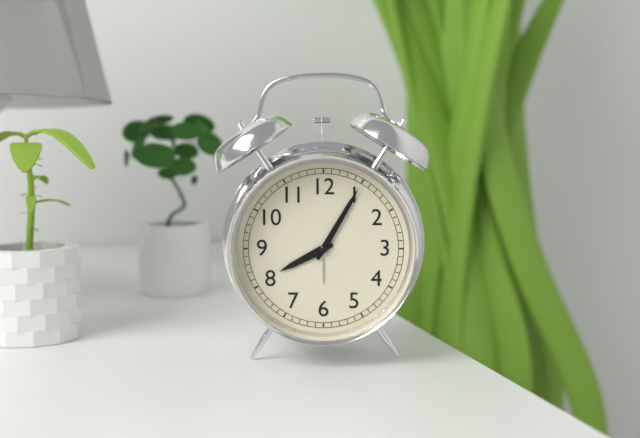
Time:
**8:05**
